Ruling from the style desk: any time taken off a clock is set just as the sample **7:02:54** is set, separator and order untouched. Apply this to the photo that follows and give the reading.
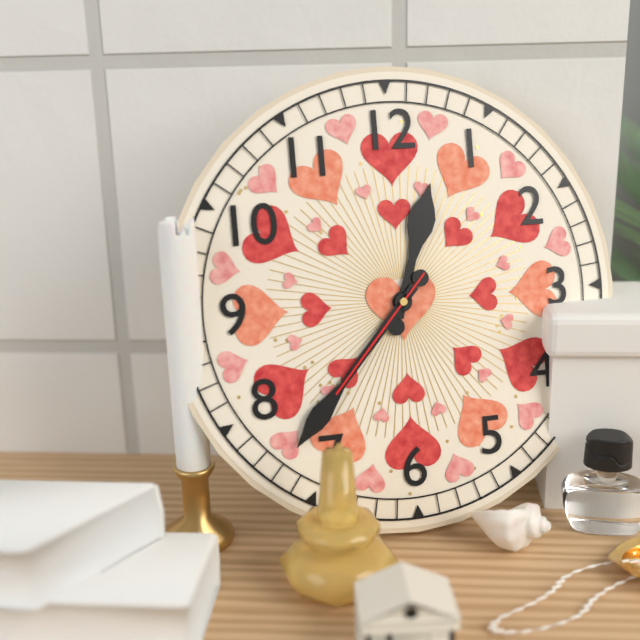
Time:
**12:37:37**
